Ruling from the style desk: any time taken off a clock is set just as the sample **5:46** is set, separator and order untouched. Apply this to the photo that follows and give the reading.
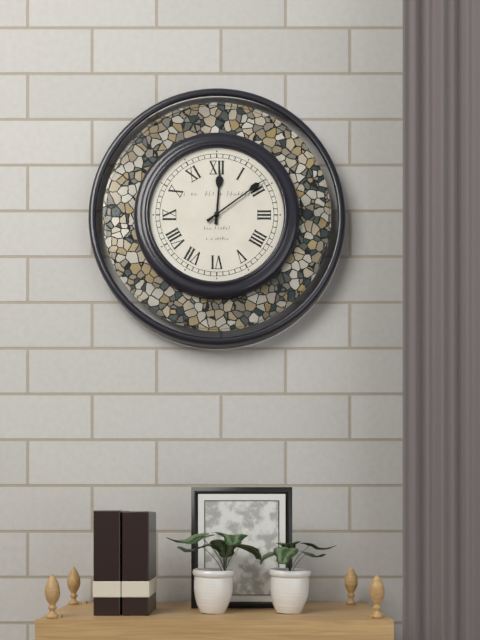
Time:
**12:09**
